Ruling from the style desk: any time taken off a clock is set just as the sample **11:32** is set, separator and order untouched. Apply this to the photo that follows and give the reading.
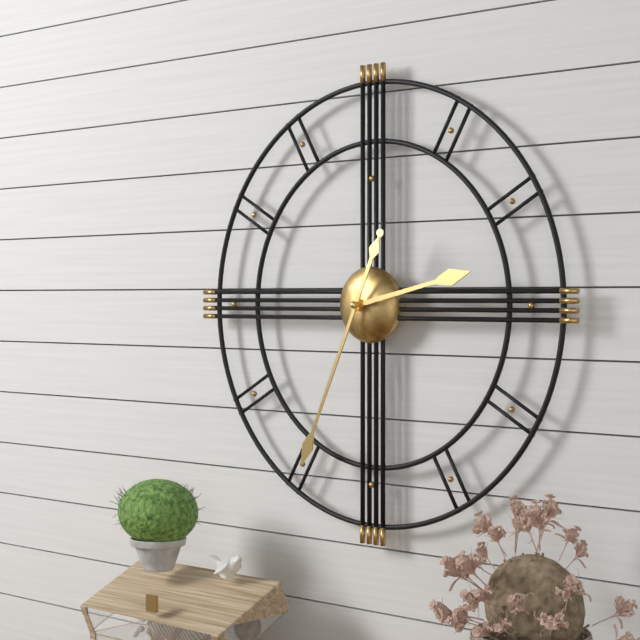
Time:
**2:34**
